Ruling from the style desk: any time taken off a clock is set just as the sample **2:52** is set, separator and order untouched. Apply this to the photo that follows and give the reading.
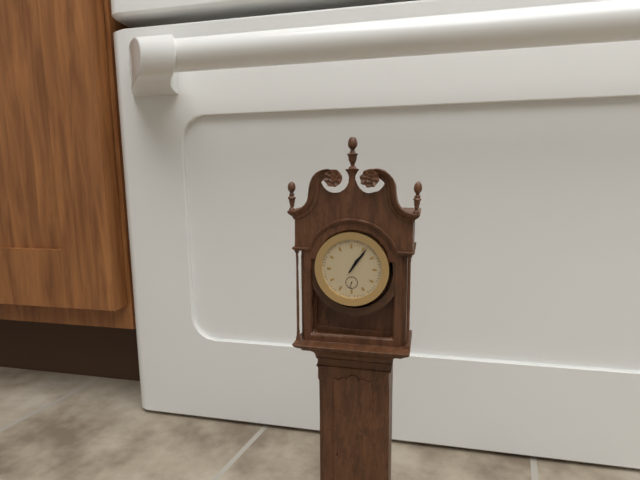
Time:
**1:06**
